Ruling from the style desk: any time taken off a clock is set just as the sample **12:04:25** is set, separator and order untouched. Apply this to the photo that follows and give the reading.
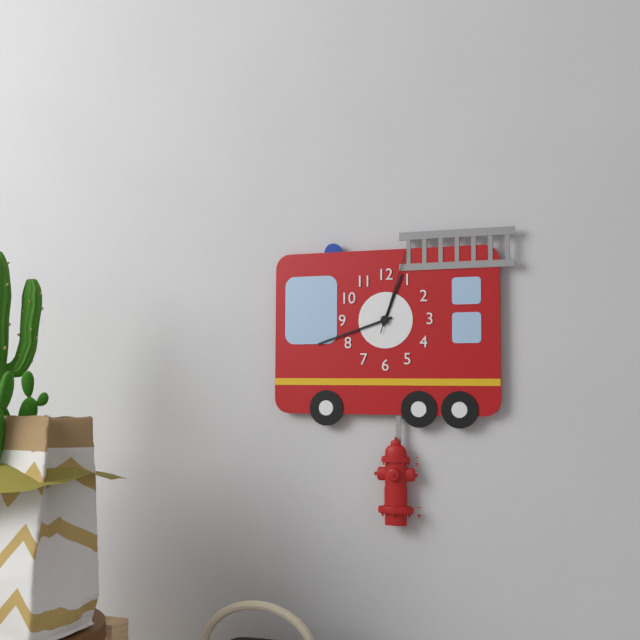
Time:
**12:42:03**
